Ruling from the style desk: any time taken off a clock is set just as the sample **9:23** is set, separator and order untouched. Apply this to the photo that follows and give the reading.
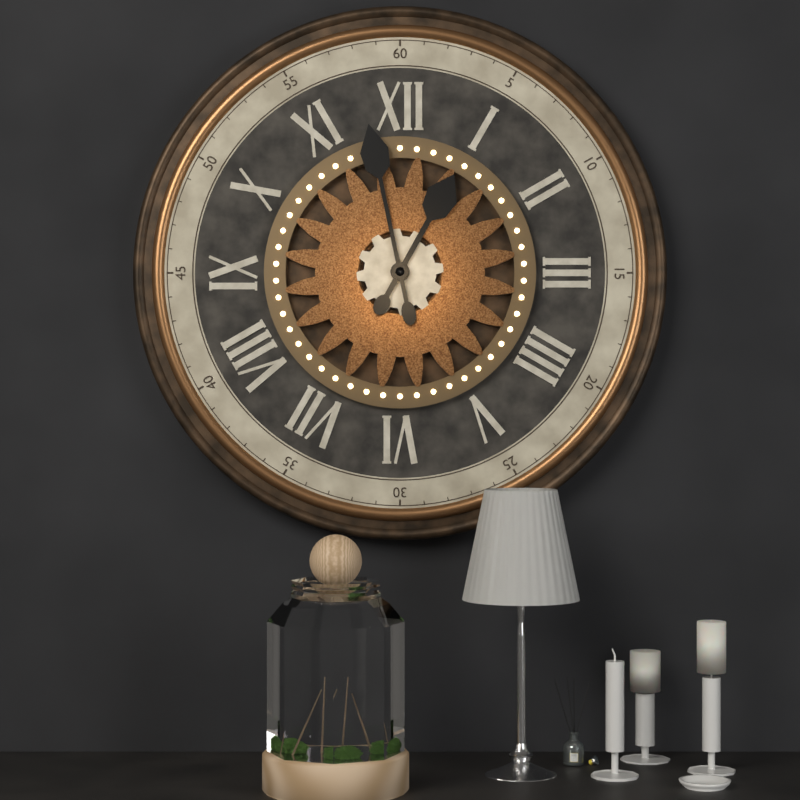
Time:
**12:58**
